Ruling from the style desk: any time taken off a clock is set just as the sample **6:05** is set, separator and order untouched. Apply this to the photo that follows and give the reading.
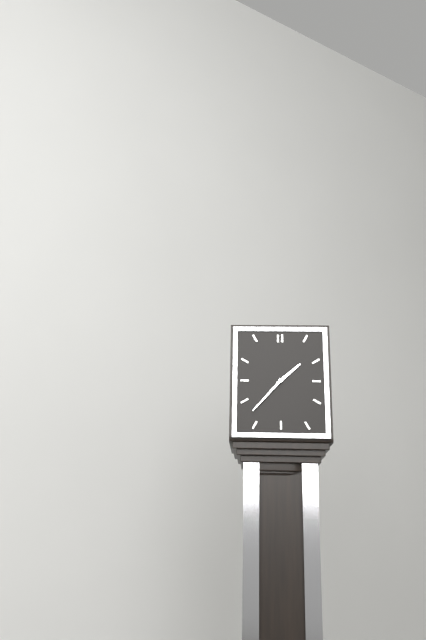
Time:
**1:37**
